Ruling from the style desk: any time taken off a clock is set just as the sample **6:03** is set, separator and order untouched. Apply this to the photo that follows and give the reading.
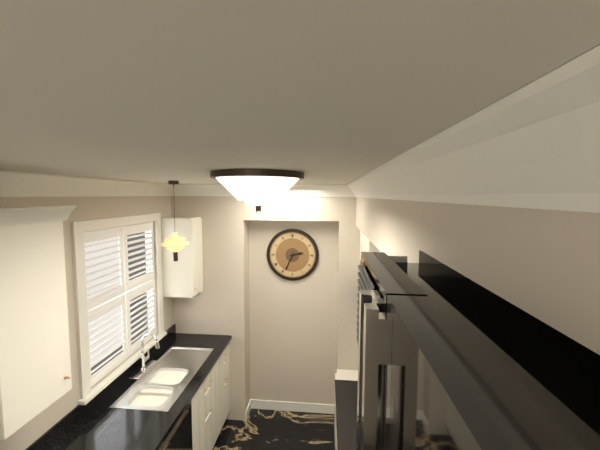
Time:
**2:34**
